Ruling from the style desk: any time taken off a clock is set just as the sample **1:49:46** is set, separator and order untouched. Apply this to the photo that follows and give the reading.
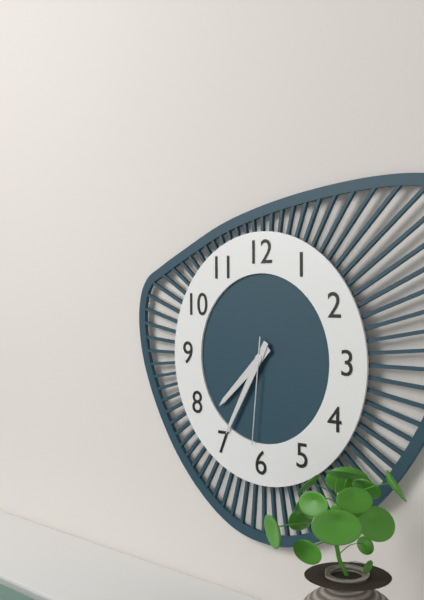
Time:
**7:35:31**
